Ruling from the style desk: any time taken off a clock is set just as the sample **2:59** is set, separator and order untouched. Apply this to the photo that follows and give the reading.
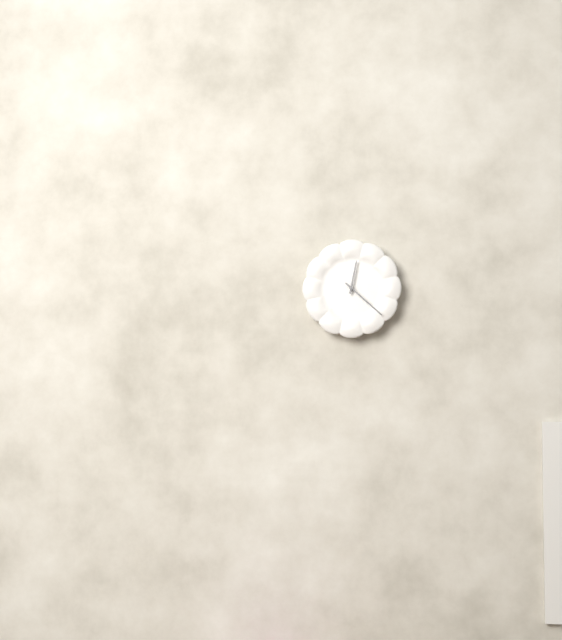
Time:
**12:22**
